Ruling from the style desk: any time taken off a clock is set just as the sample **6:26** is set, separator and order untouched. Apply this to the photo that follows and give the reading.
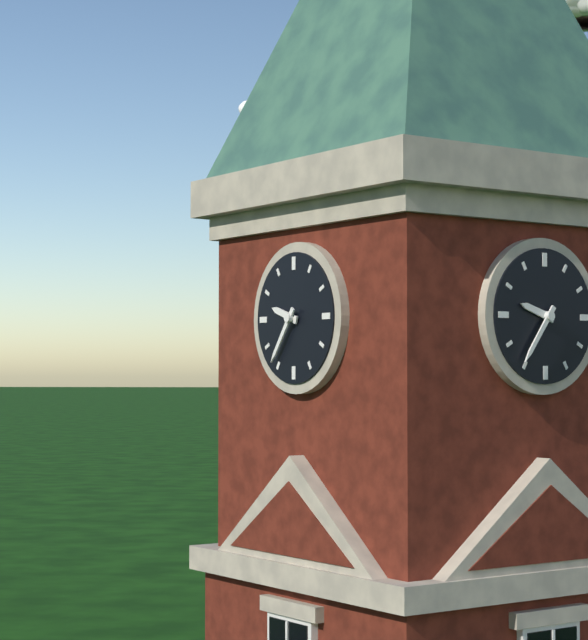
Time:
**9:36**
